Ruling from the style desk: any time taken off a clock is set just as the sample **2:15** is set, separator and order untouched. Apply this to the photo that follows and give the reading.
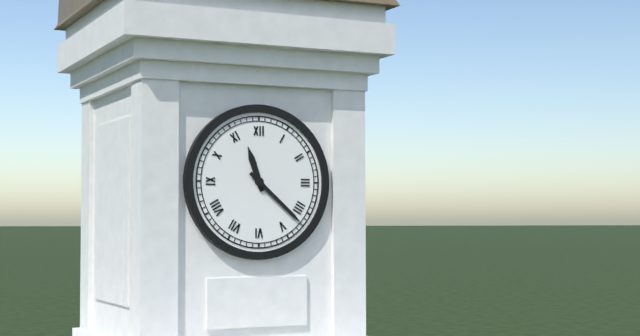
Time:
**11:22**
